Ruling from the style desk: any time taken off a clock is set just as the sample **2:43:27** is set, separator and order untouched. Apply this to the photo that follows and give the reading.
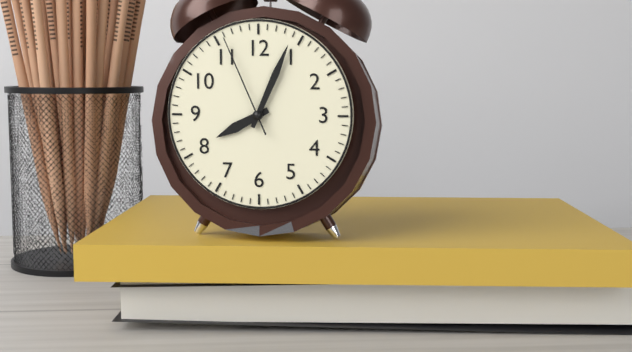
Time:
**8:04:56**
